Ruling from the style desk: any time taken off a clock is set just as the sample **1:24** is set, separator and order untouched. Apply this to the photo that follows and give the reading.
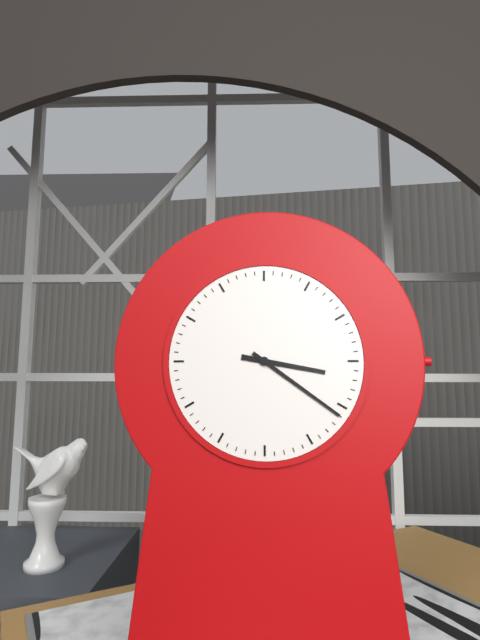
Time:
**3:21**
